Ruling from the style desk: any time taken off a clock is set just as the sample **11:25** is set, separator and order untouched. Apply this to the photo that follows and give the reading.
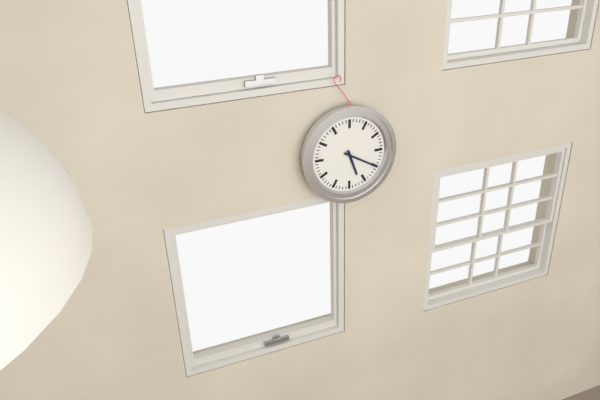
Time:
**5:20**
